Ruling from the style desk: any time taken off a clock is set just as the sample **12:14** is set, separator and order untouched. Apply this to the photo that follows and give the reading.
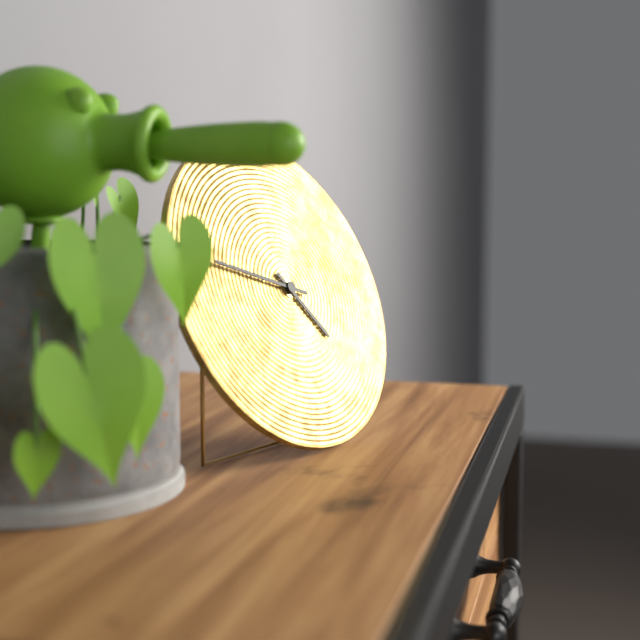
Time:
**4:48**
